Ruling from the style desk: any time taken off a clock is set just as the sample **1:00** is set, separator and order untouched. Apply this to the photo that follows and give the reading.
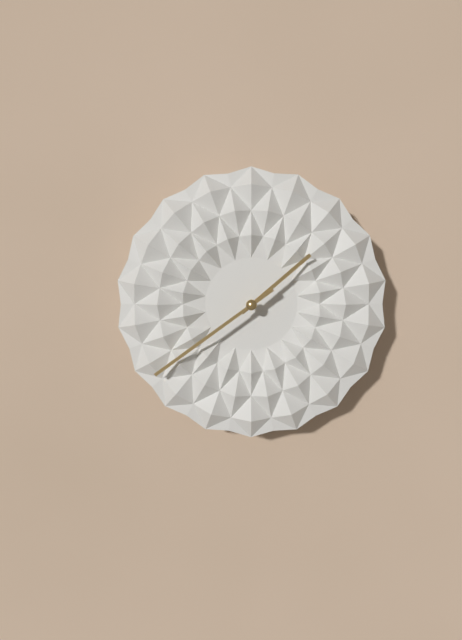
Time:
**1:39**
